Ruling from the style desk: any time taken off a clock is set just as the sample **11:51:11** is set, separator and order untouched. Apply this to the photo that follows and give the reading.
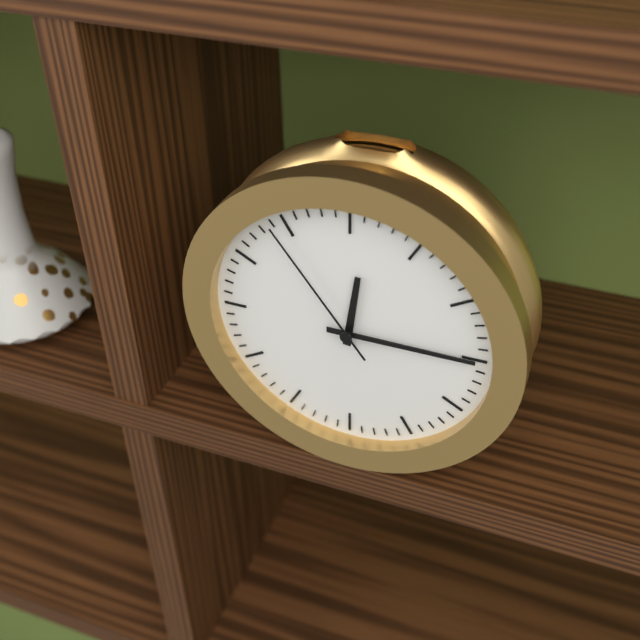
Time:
**12:15:54**
